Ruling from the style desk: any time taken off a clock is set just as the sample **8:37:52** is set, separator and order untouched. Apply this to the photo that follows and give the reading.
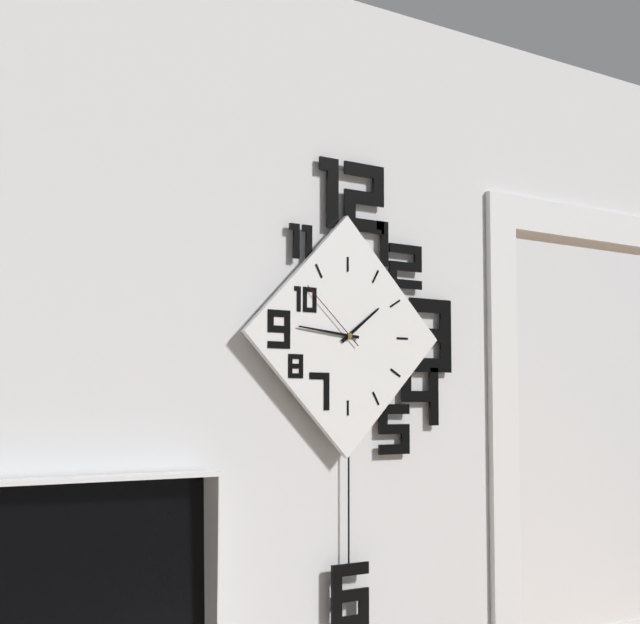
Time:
**1:46:52**
